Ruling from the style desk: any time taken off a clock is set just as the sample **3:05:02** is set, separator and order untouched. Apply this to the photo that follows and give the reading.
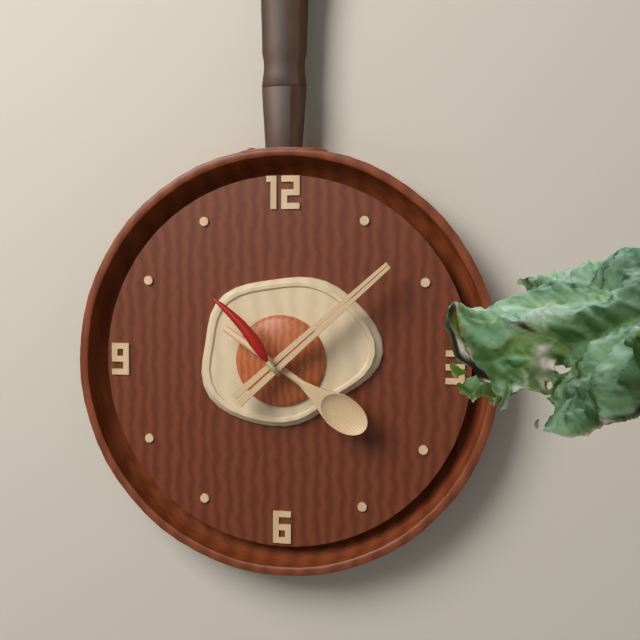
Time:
**4:08:53**
